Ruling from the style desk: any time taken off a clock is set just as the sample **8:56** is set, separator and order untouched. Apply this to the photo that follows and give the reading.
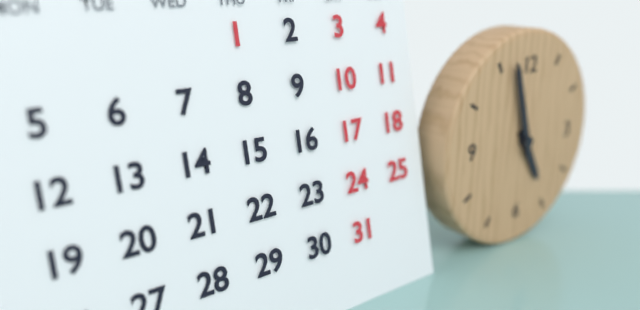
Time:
**4:57**
